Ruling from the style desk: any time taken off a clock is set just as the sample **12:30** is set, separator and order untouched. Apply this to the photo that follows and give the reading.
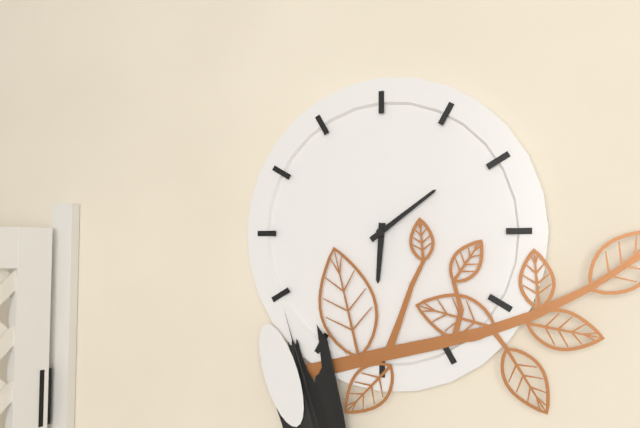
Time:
**6:09**
